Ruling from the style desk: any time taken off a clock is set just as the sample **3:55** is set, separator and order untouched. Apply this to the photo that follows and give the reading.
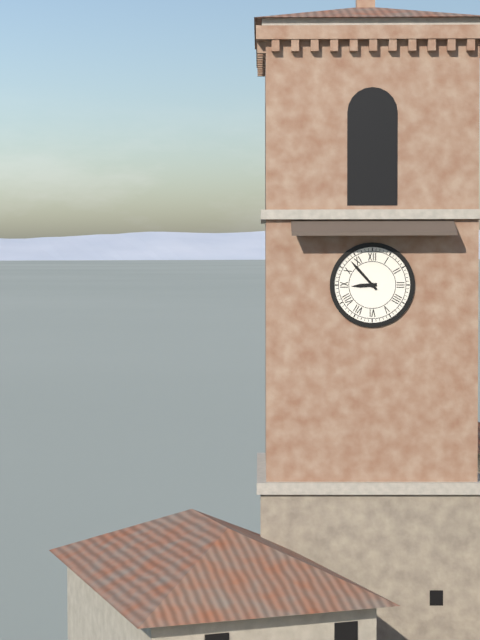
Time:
**8:53**
